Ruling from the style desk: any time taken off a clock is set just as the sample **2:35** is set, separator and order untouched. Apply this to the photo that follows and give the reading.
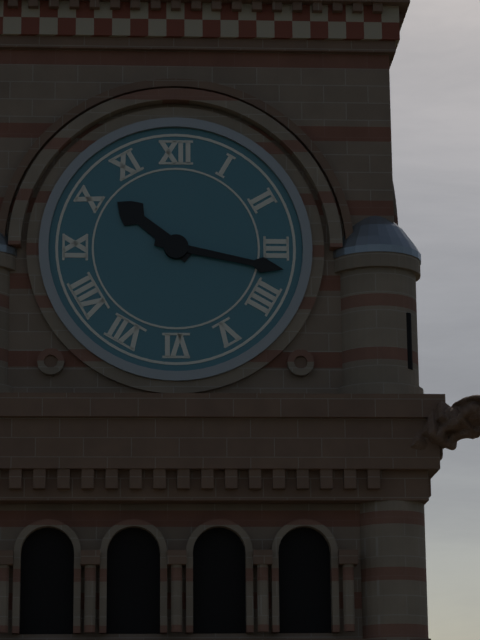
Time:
**10:17**
